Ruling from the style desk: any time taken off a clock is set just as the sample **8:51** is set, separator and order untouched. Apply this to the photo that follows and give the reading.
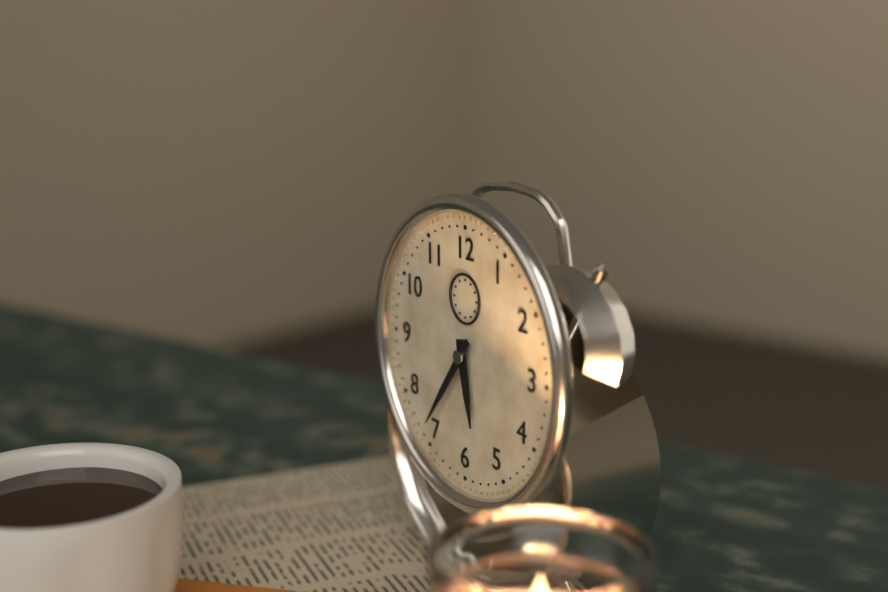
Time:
**5:36**
